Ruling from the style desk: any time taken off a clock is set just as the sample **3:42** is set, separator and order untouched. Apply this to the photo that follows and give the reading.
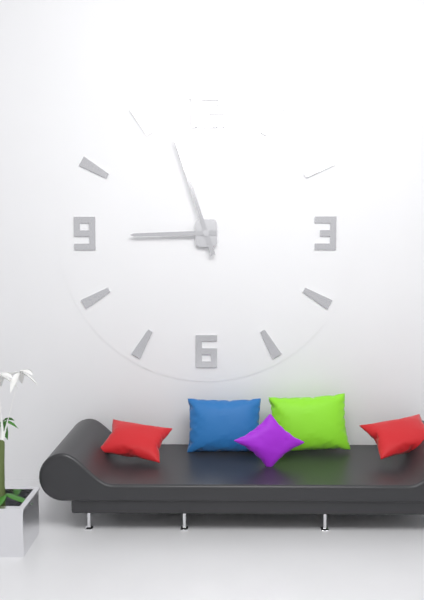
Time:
**8:57**
